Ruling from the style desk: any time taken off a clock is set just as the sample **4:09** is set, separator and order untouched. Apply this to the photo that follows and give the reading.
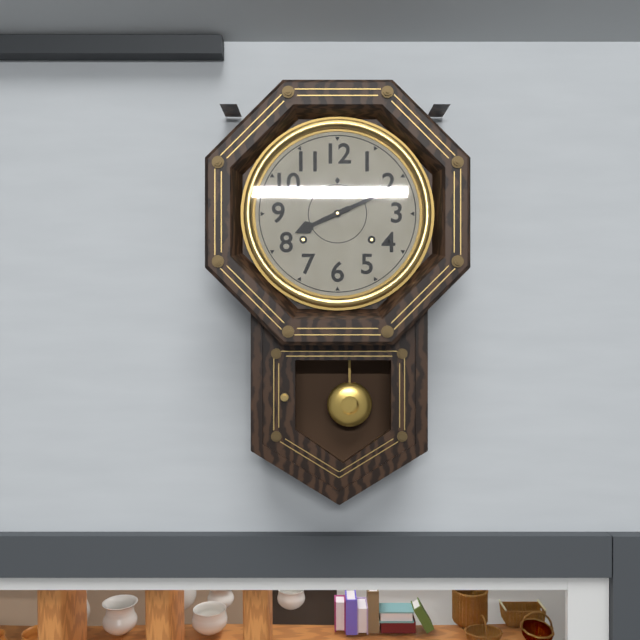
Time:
**8:11**
